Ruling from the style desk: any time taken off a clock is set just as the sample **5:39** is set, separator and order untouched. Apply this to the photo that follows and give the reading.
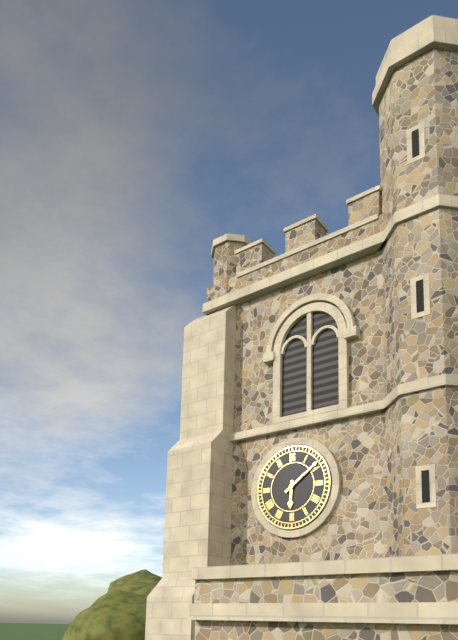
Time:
**6:09**
